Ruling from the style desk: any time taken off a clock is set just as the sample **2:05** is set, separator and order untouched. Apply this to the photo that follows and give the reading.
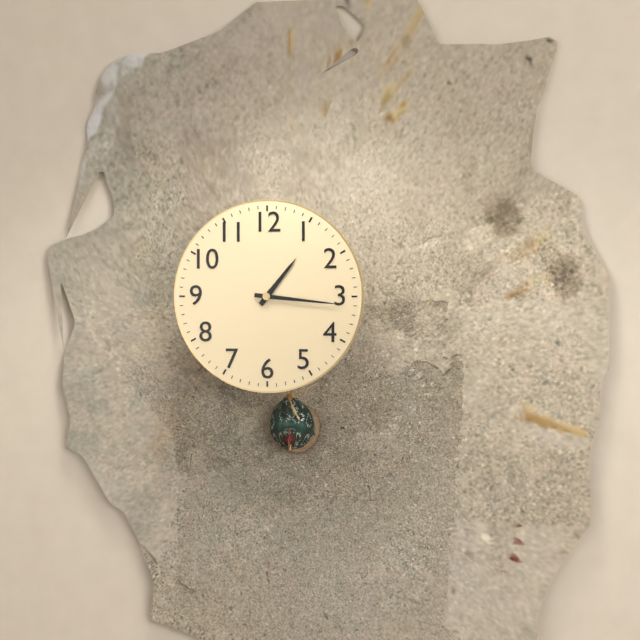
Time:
**1:16**
